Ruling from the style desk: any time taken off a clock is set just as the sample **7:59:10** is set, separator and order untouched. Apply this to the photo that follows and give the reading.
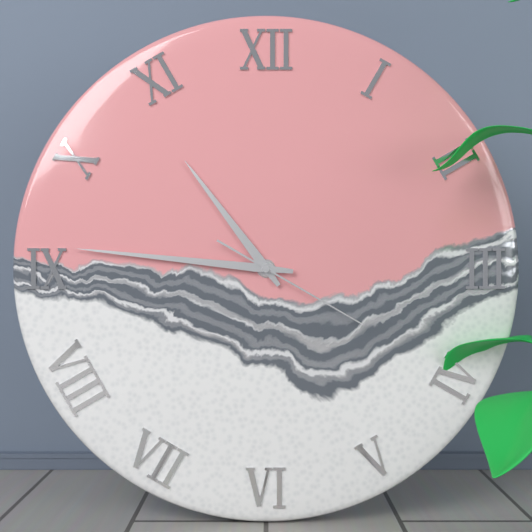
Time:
**10:46:20**
